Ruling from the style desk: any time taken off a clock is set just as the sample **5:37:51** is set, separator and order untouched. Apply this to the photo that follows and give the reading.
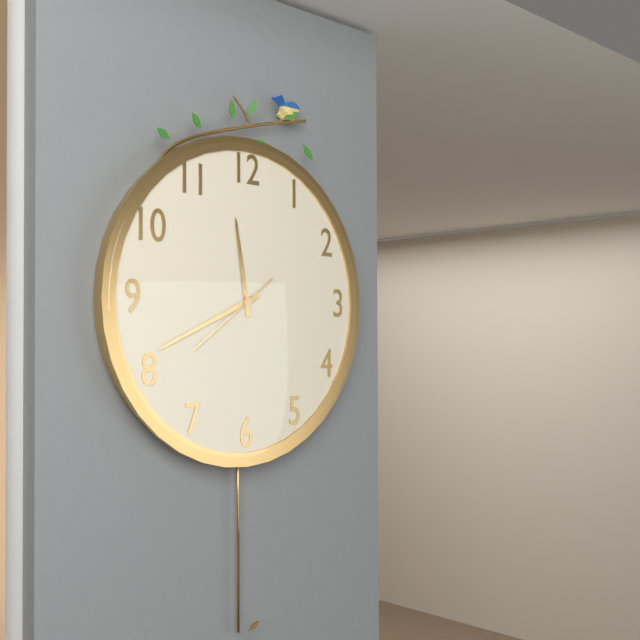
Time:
**11:41:39**
